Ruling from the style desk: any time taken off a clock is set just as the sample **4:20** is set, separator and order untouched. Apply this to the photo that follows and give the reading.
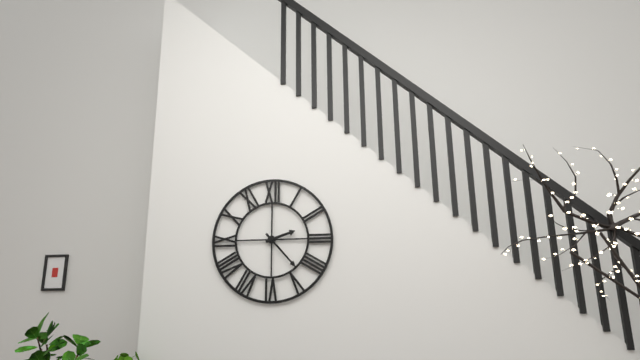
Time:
**2:23**
